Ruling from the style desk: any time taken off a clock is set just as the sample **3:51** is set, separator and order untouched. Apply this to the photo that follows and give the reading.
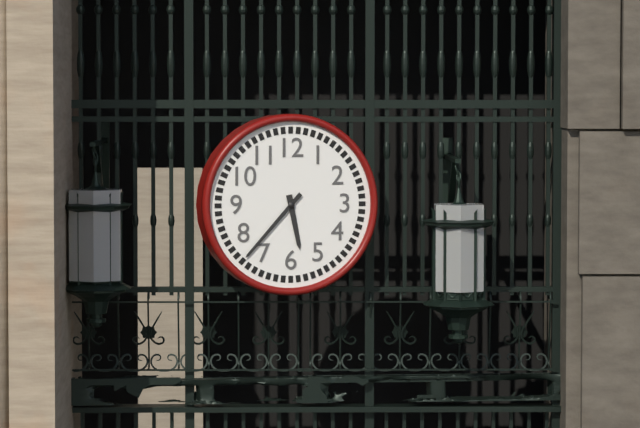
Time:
**5:37**
